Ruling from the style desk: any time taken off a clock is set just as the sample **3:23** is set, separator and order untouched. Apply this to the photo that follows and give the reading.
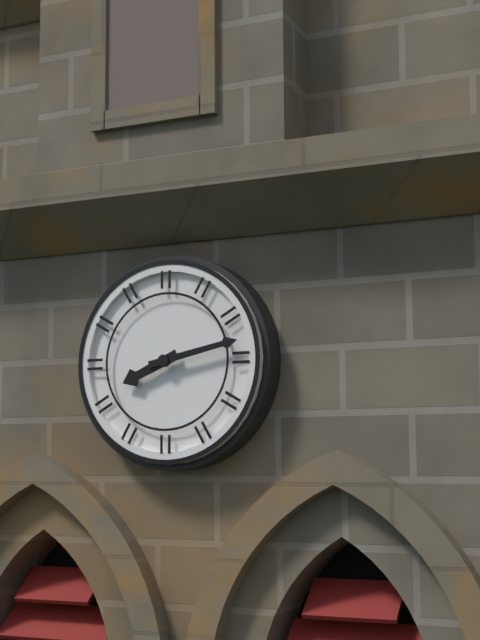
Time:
**8:13**
